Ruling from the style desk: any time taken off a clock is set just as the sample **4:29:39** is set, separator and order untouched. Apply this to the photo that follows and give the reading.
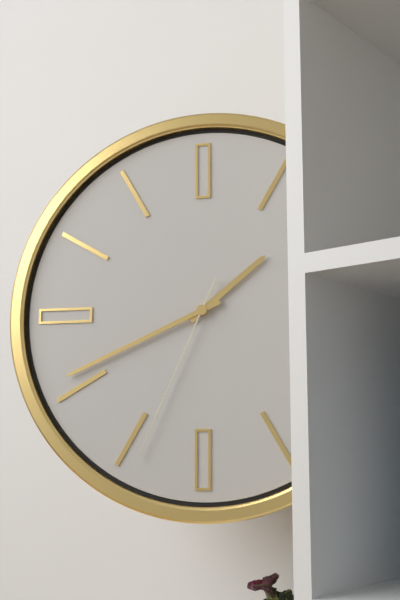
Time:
**1:41:34**
